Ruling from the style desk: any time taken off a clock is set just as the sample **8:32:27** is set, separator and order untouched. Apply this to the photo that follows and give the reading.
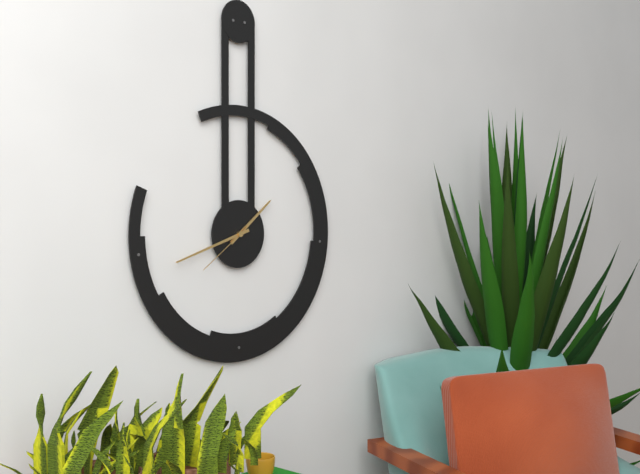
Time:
**1:42:39**
